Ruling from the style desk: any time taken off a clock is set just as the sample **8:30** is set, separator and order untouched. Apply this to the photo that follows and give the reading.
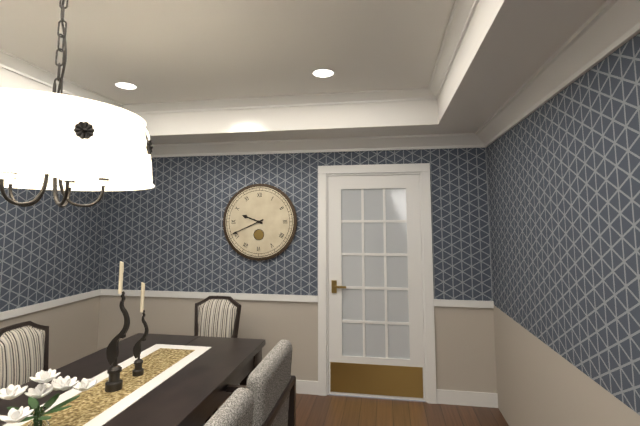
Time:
**9:41**
